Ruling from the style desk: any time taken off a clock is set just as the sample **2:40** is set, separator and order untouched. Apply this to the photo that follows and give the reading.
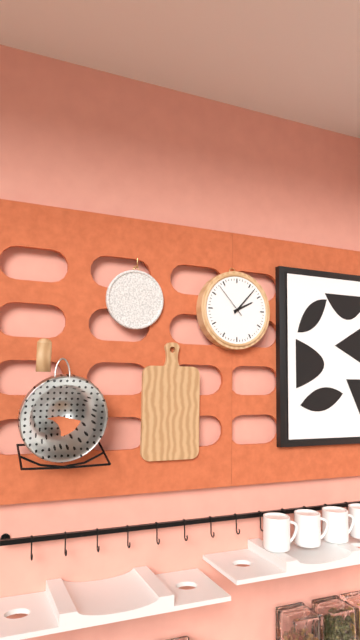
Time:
**2:07**
